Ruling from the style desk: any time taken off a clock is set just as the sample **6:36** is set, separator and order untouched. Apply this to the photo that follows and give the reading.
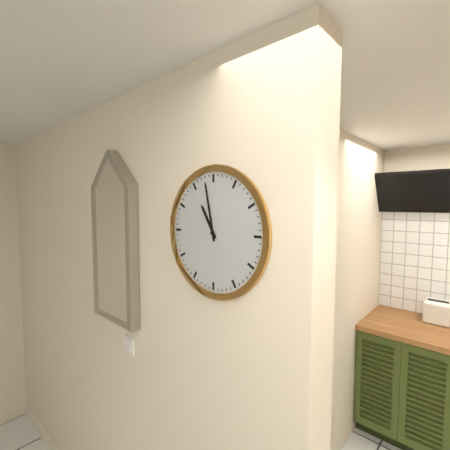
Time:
**10:58**
